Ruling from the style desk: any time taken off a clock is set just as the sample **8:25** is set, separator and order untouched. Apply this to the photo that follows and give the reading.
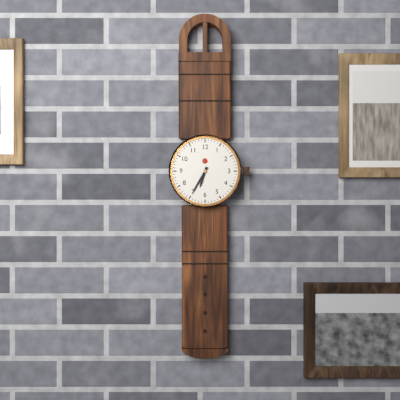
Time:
**6:35**
